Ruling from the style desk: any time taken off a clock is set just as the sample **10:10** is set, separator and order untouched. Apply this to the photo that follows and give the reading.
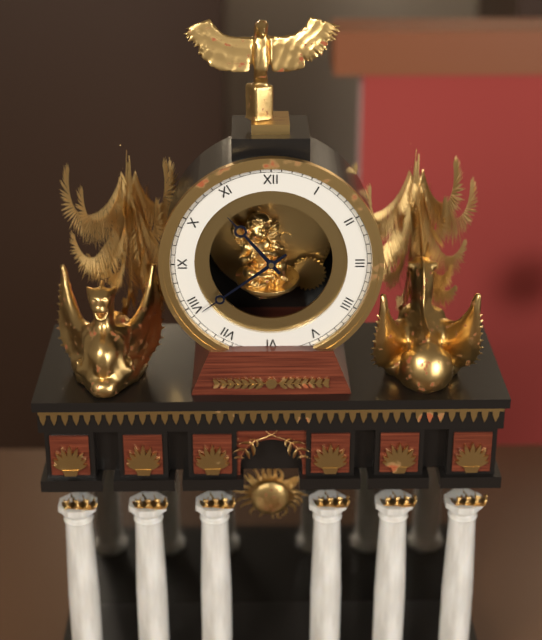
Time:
**10:39**
